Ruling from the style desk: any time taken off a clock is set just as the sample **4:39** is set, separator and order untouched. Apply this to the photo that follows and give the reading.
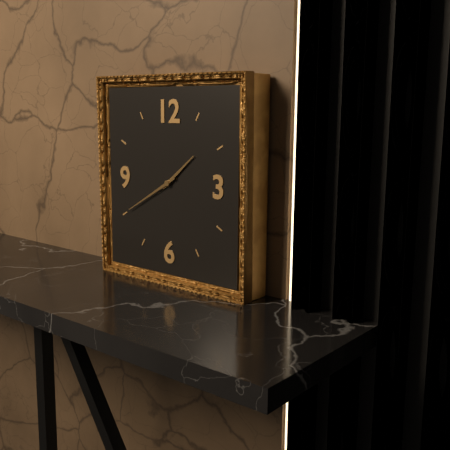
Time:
**1:40**
